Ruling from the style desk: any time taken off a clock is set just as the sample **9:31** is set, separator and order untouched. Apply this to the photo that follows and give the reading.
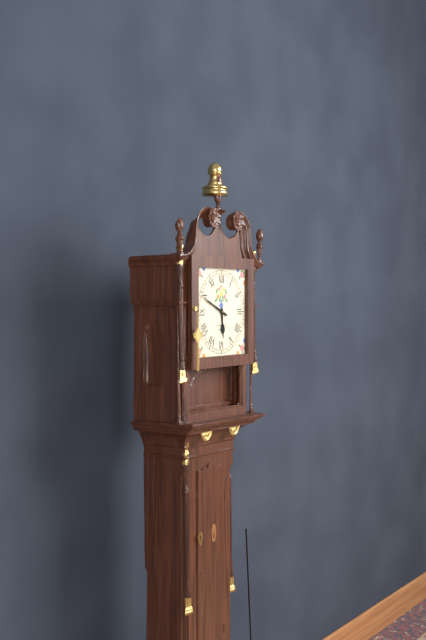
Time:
**5:49**
